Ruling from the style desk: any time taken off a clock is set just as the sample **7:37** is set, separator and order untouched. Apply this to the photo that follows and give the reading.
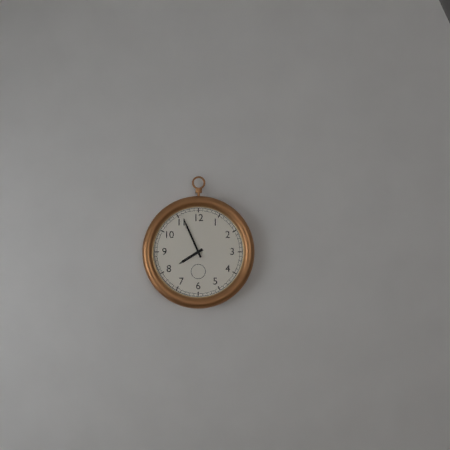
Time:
**7:56**
